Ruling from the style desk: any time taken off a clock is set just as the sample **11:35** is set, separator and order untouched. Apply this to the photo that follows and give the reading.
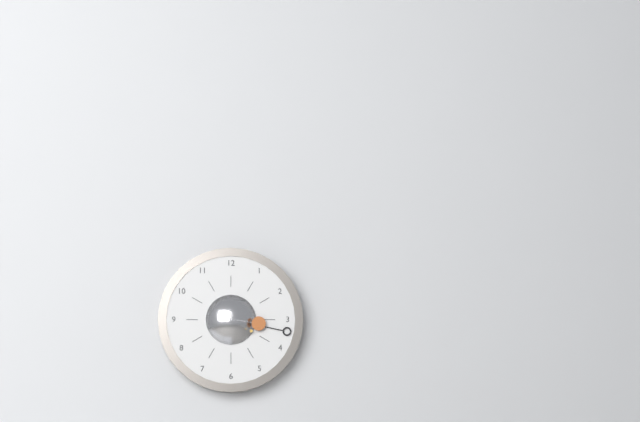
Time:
**3:17**
